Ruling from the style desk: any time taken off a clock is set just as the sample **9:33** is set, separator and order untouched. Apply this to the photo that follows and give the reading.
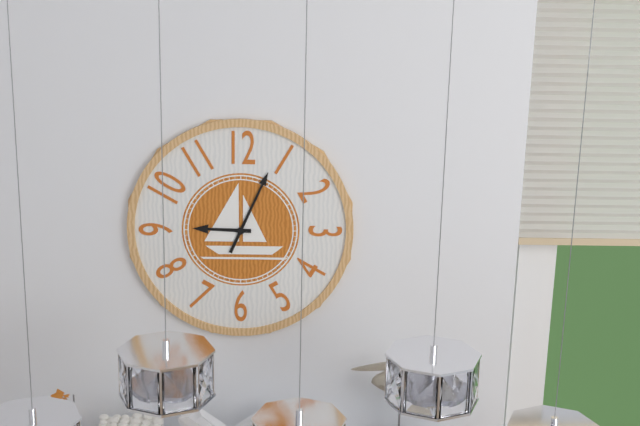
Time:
**9:04**
